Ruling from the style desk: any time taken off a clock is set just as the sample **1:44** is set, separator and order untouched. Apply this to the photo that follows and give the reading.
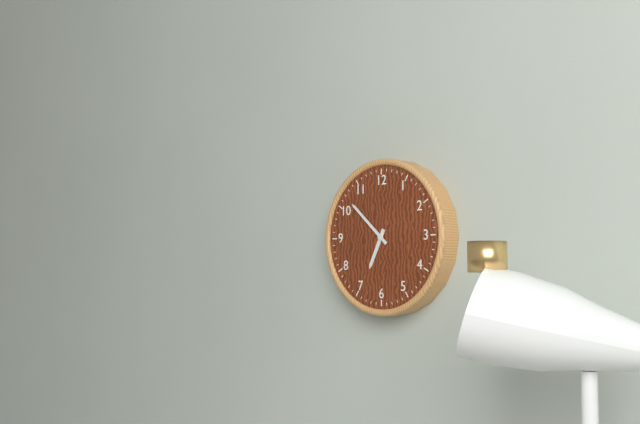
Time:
**6:52**
